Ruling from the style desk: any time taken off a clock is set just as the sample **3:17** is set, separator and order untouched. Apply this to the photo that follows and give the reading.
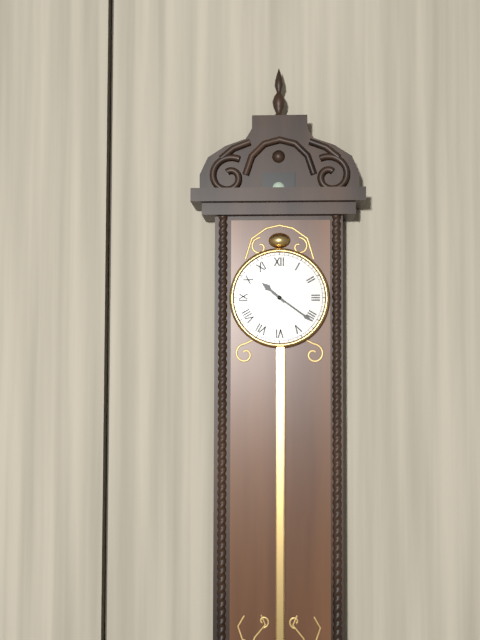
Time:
**10:21**
